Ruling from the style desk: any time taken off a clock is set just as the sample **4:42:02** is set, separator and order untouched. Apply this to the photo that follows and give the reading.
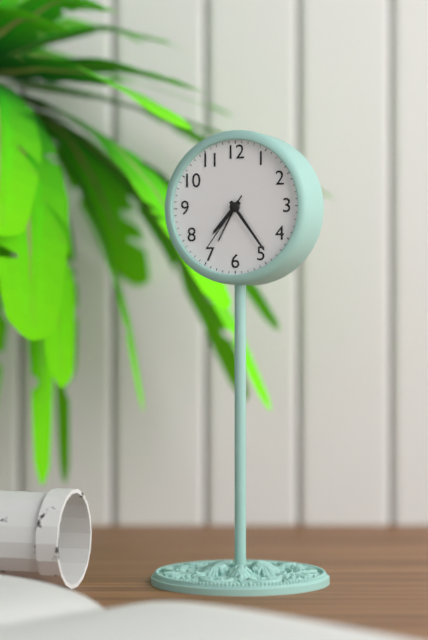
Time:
**7:24:36**
